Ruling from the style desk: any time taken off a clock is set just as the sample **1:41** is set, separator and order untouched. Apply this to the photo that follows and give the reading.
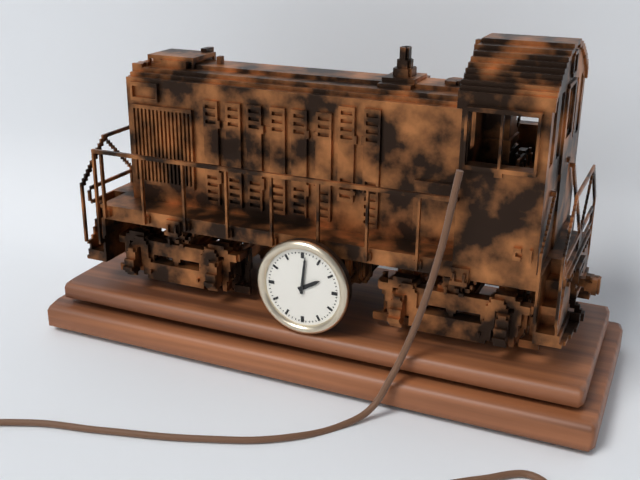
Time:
**2:01**
